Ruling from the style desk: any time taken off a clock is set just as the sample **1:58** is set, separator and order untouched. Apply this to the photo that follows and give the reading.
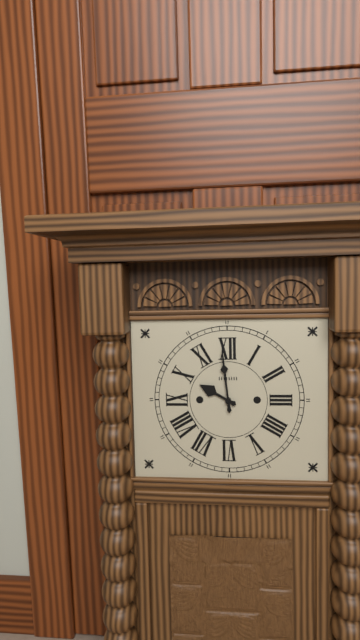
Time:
**9:59**
